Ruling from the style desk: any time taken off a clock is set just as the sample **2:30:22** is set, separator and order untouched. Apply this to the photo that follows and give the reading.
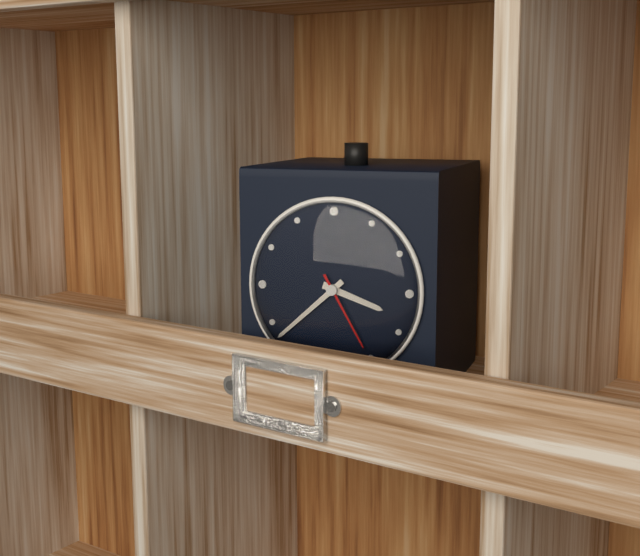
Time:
**3:38:25**
